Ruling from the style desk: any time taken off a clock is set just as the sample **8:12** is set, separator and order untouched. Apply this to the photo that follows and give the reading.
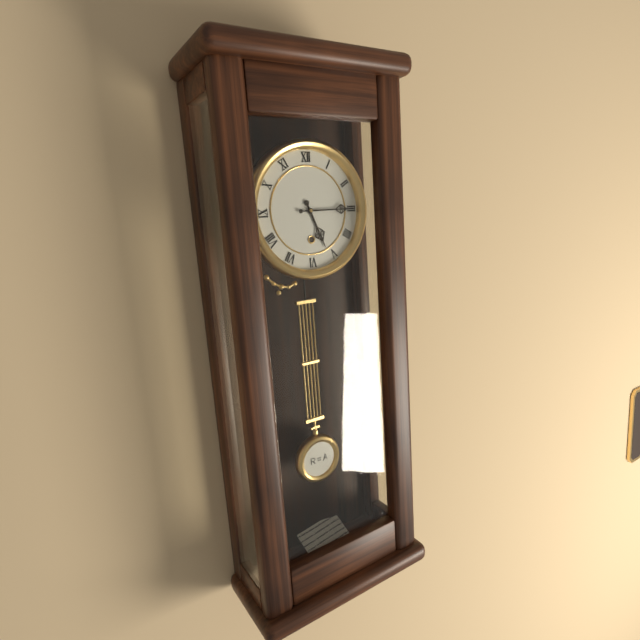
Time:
**5:15**
